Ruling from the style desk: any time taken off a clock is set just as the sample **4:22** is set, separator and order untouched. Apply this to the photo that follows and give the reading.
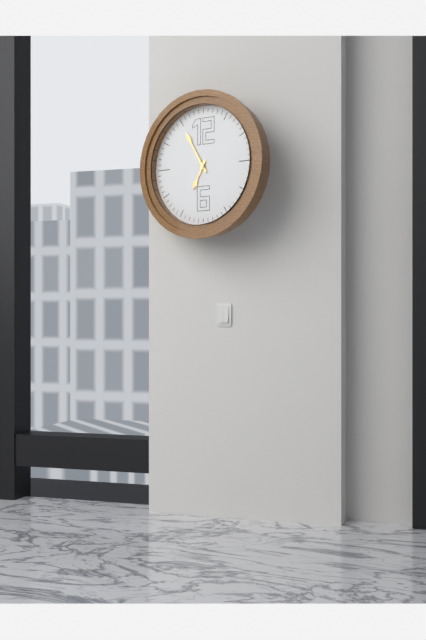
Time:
**6:55**
